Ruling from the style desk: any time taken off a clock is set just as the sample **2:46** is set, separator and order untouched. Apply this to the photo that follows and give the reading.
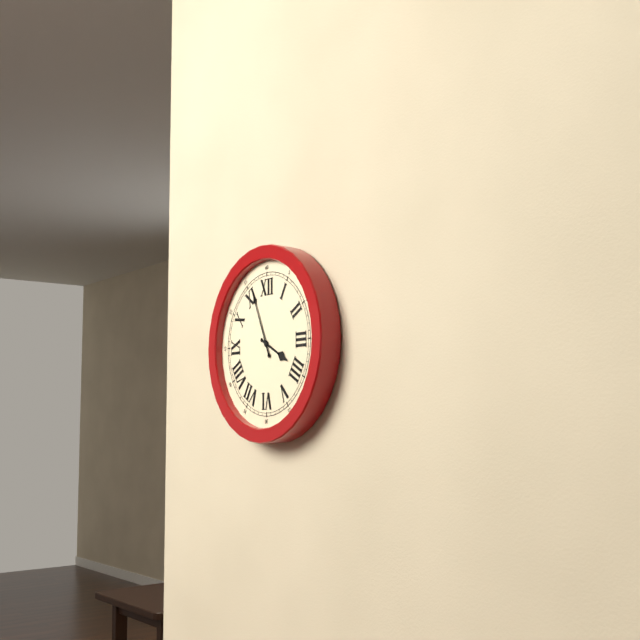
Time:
**3:56**
